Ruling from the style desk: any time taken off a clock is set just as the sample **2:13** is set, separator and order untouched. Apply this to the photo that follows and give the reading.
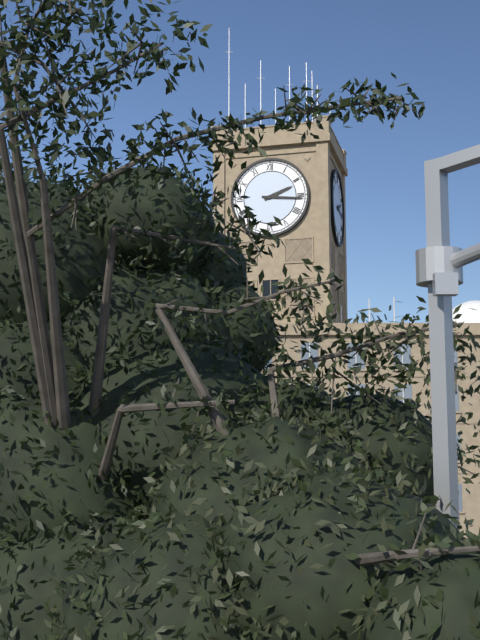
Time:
**2:16**
